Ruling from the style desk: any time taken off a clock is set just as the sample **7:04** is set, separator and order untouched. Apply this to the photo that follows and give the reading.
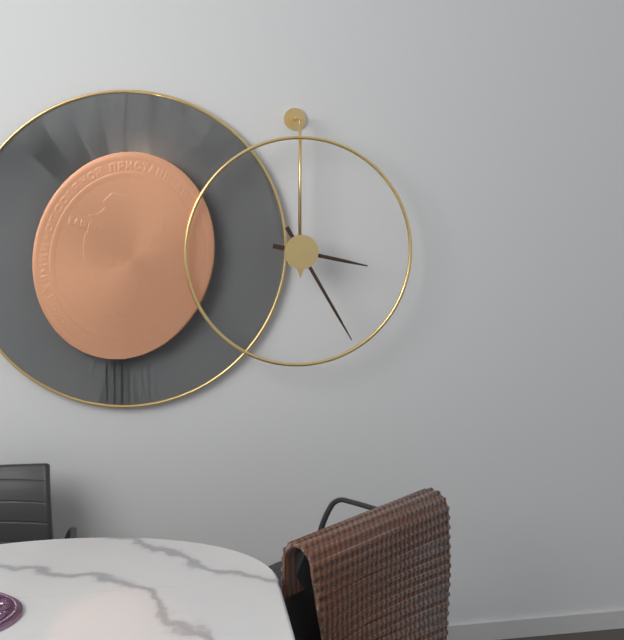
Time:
**3:25**
